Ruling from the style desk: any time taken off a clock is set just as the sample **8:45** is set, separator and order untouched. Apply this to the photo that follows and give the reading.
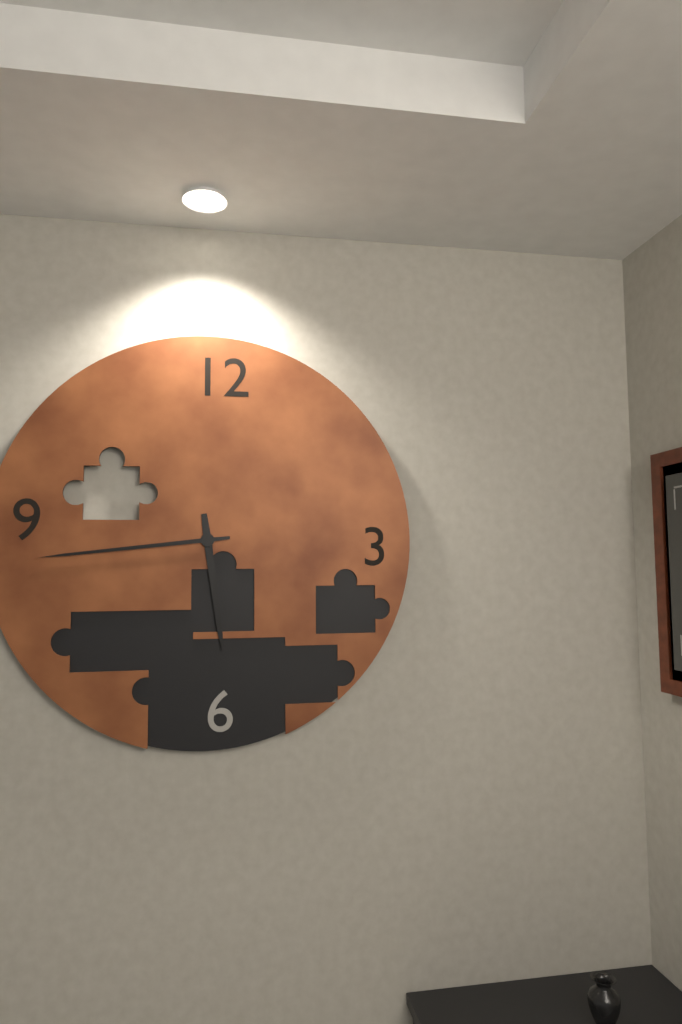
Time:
**5:44**
